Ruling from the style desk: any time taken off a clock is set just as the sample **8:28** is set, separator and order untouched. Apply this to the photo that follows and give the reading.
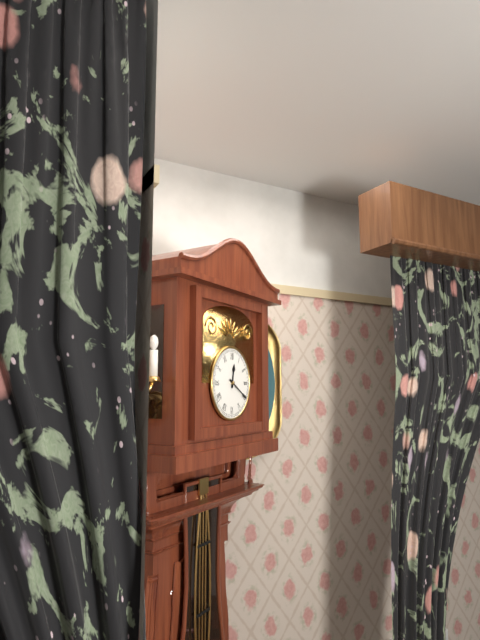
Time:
**12:20**
